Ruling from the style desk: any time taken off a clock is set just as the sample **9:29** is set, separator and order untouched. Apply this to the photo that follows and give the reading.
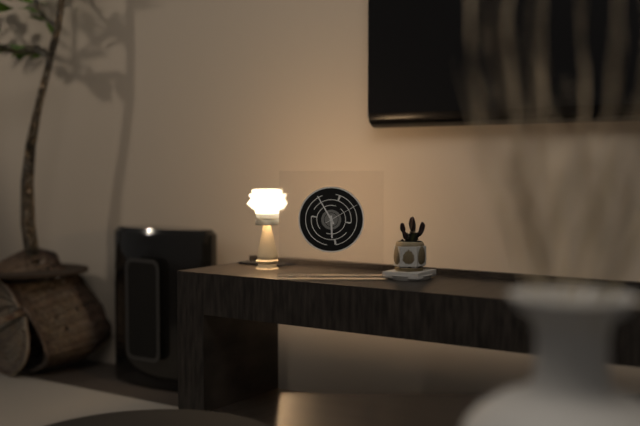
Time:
**5:55**
